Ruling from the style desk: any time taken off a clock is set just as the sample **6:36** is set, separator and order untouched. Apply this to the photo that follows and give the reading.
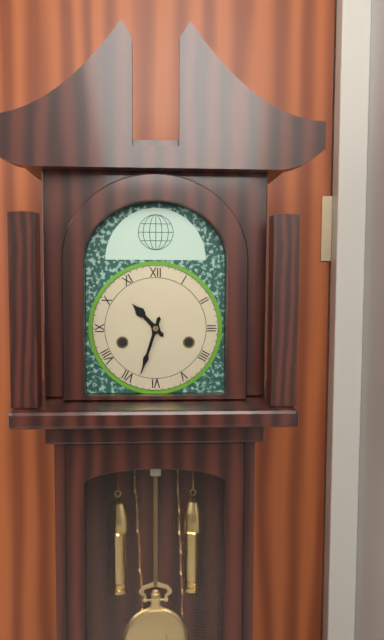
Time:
**10:33**
